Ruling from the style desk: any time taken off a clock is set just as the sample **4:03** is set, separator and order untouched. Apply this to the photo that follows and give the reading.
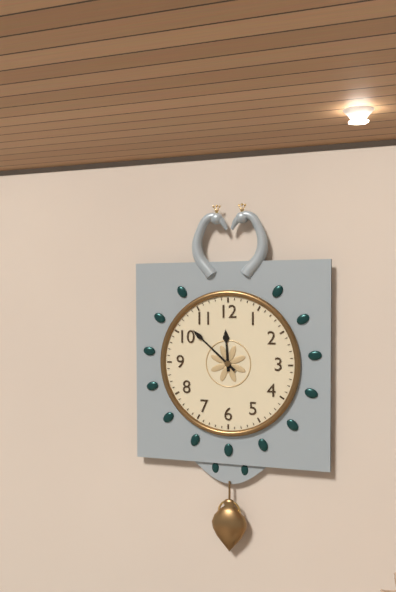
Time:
**11:52**
